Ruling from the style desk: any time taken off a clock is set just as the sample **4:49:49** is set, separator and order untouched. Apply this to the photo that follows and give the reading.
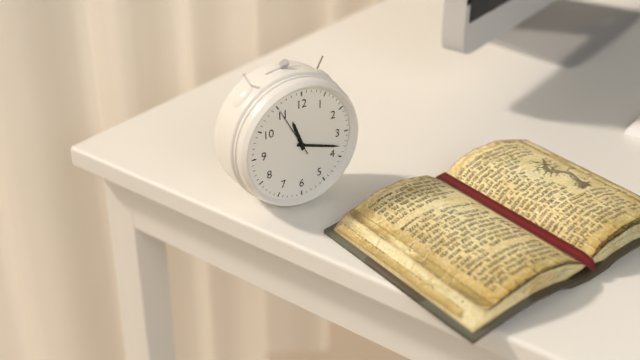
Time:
**11:18:55**
